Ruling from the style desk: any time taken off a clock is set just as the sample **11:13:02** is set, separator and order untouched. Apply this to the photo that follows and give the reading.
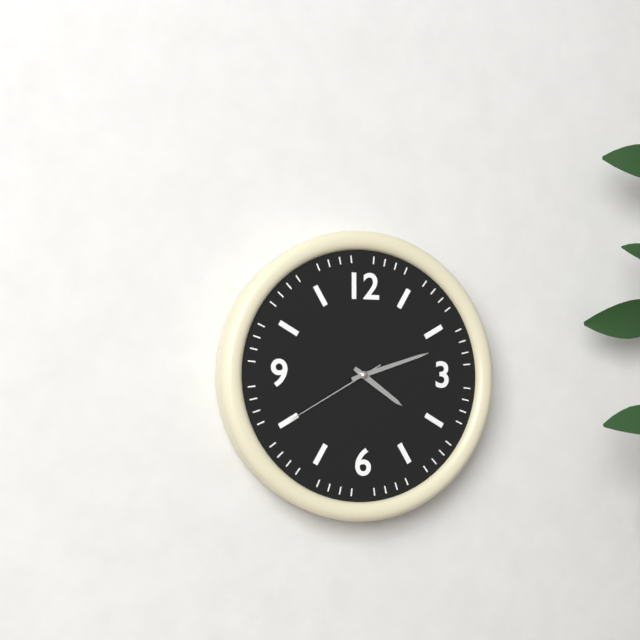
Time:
**4:12:40**
